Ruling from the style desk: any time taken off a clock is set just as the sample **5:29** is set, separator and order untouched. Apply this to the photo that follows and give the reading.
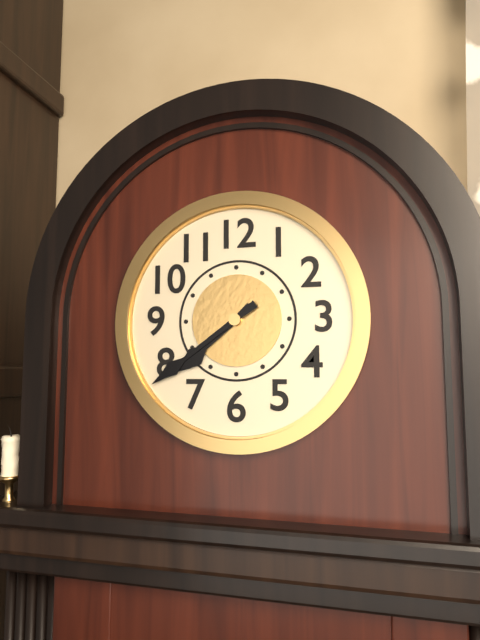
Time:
**7:39**
